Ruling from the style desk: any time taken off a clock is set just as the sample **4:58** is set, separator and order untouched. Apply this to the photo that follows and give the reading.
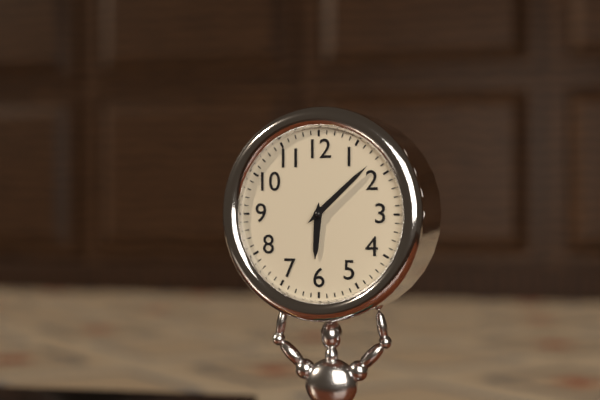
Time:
**6:08**
